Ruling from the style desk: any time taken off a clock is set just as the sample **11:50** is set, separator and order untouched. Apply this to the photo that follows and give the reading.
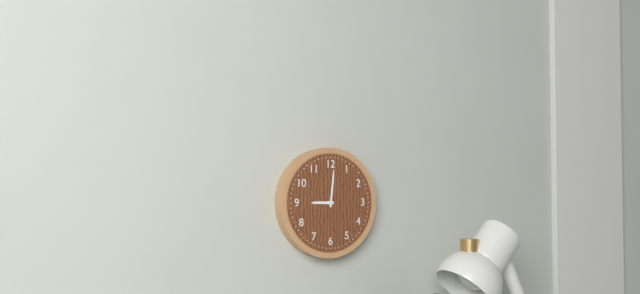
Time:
**9:01**
